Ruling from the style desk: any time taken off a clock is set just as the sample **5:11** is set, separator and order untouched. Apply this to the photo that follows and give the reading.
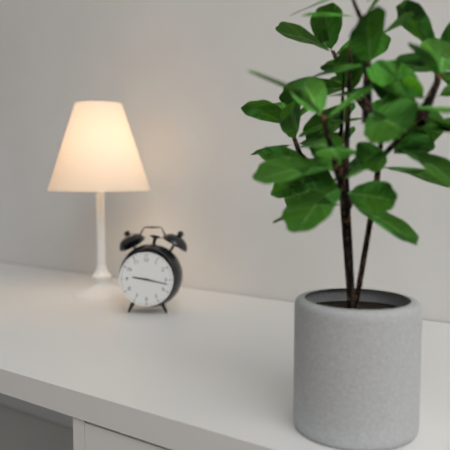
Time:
**9:17**
